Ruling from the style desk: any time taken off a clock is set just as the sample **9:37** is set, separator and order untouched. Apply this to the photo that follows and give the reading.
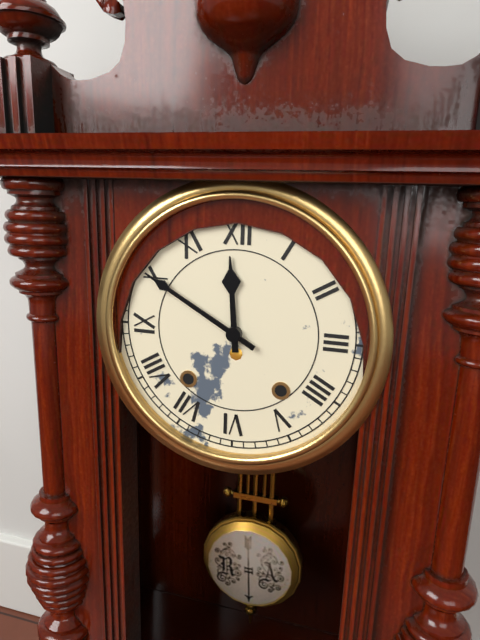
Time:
**11:50**
